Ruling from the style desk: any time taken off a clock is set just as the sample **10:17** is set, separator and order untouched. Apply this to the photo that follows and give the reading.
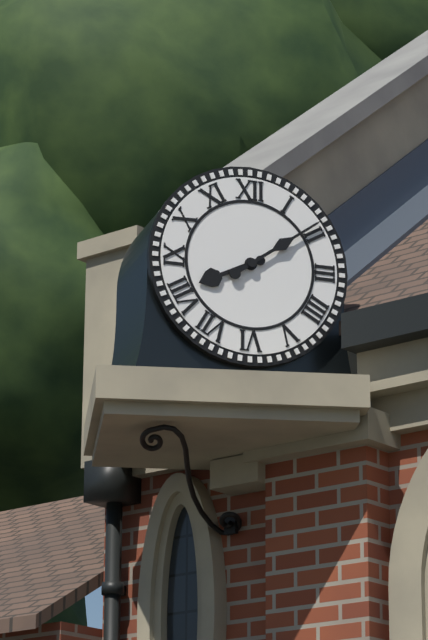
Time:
**8:09**
